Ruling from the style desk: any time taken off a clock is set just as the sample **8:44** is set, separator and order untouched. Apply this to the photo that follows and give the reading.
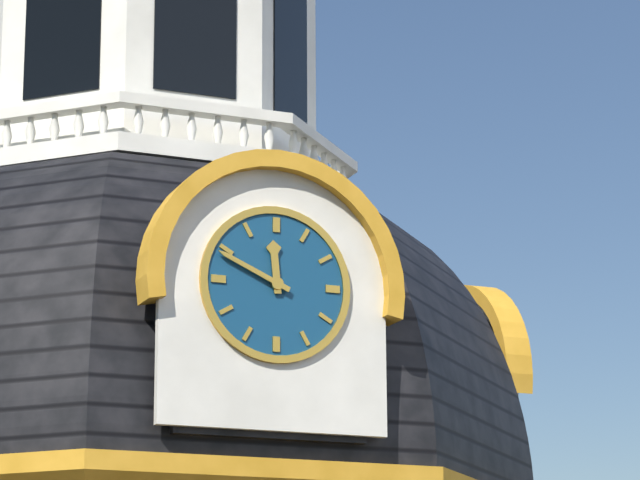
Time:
**11:49**
